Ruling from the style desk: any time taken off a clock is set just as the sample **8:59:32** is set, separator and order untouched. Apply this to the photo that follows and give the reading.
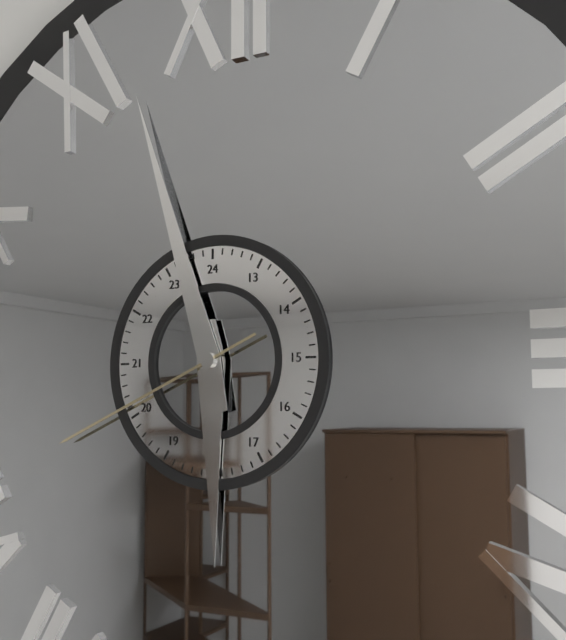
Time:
**5:57:41**
